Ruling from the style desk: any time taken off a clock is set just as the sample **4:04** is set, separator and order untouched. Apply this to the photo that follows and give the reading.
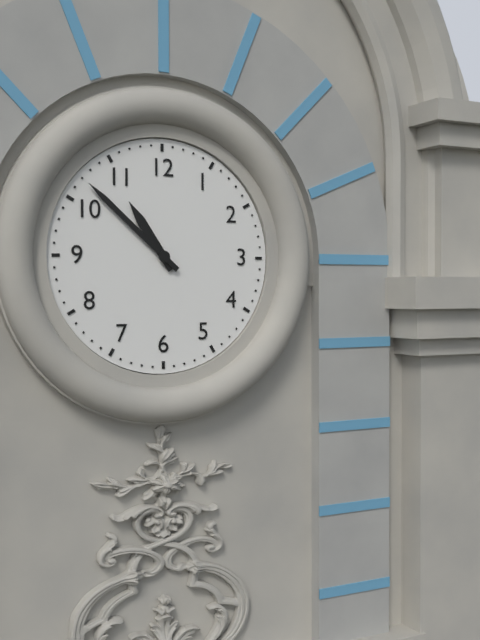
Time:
**10:52**
